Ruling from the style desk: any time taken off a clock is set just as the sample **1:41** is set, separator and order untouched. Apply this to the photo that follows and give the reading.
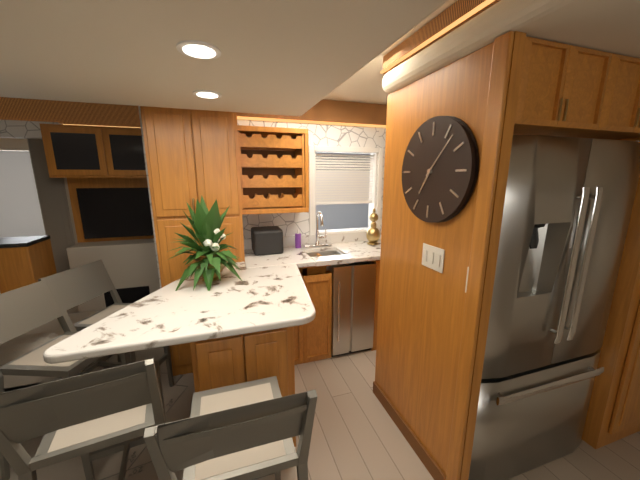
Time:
**7:07**
